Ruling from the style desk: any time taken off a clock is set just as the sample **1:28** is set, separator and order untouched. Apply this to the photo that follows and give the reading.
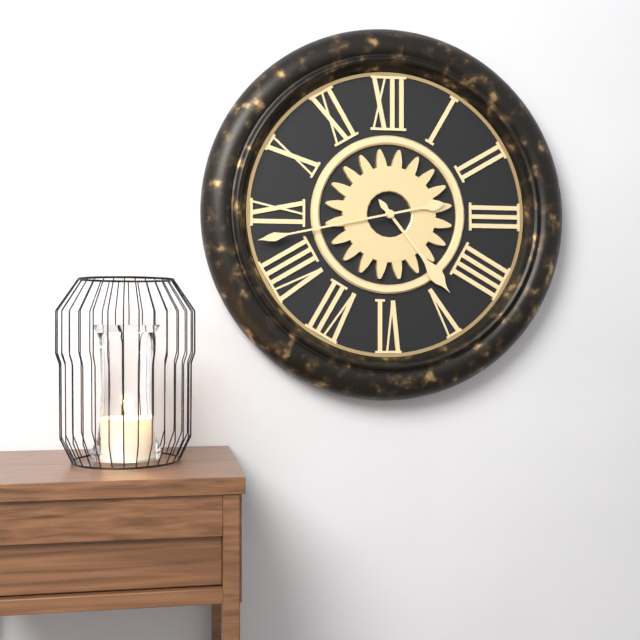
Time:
**4:43**
